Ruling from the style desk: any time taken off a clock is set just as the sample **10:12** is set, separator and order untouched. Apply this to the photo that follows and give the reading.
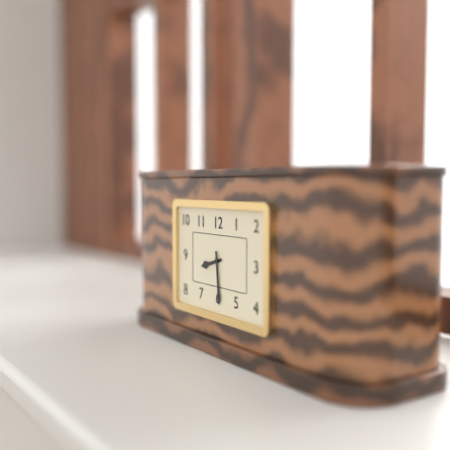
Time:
**8:29**
